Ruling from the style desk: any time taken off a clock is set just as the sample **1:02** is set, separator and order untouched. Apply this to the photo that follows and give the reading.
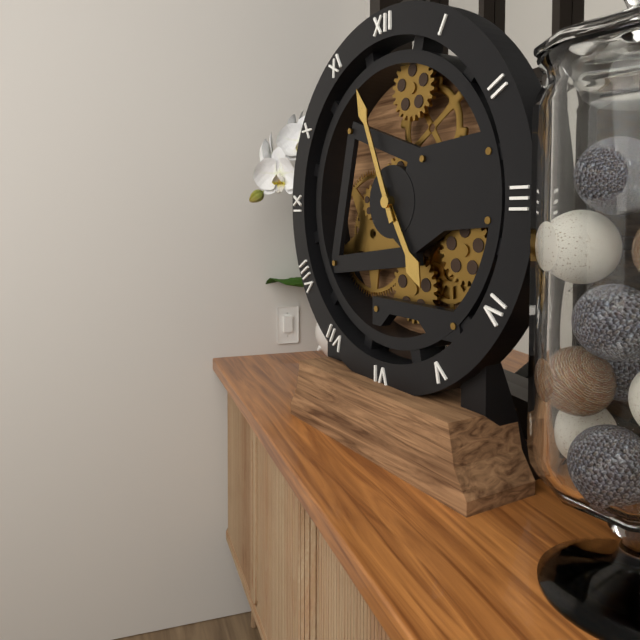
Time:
**4:56**
